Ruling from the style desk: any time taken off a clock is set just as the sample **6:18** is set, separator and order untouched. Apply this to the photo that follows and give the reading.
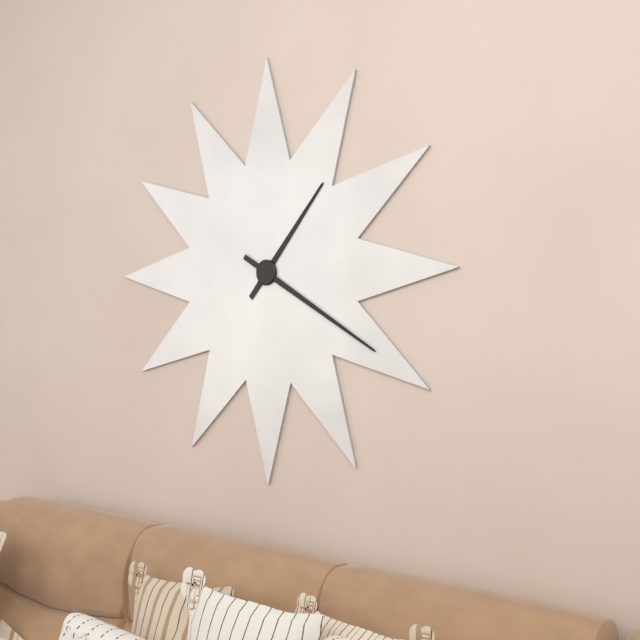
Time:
**1:20**
